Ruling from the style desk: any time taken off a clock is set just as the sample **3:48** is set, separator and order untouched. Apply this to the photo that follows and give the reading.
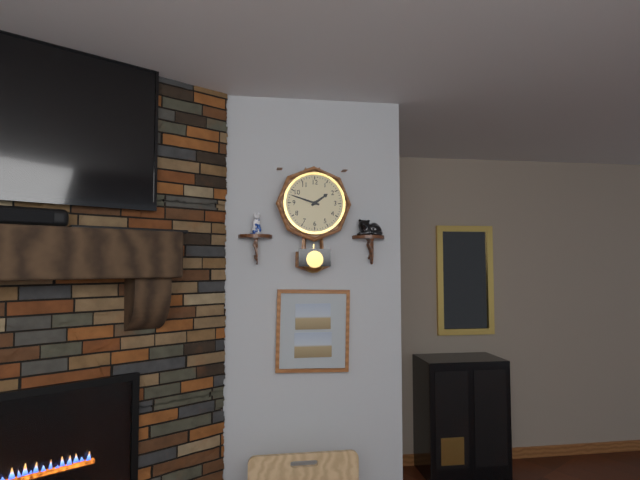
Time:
**1:48**
